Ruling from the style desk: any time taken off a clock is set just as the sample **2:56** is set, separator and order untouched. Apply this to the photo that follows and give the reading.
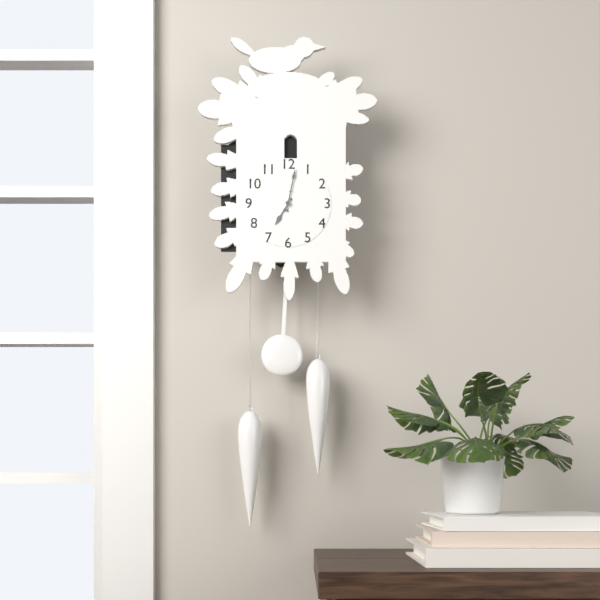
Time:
**7:02**
